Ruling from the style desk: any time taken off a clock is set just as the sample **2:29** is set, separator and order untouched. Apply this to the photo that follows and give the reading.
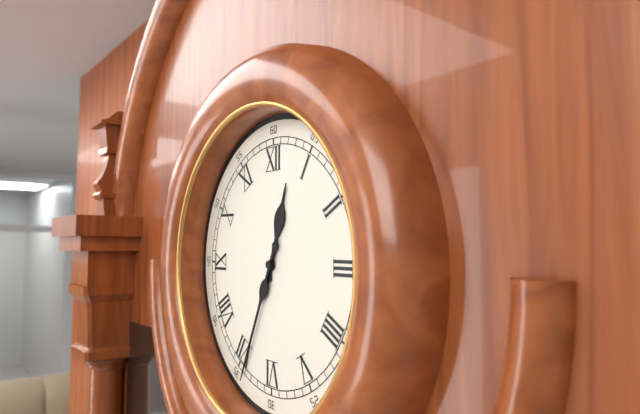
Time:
**12:34**
